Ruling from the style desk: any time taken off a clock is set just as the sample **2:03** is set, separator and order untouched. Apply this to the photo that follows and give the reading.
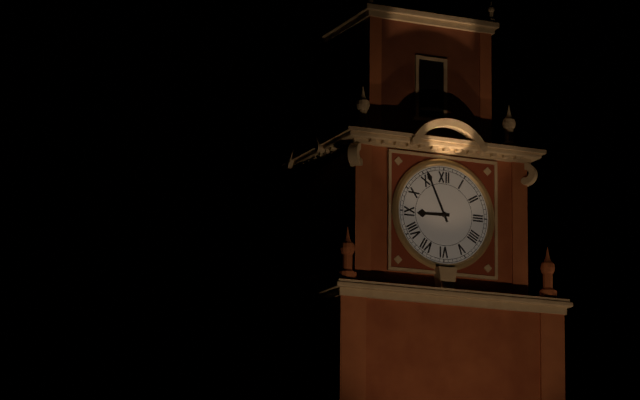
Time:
**8:56**
